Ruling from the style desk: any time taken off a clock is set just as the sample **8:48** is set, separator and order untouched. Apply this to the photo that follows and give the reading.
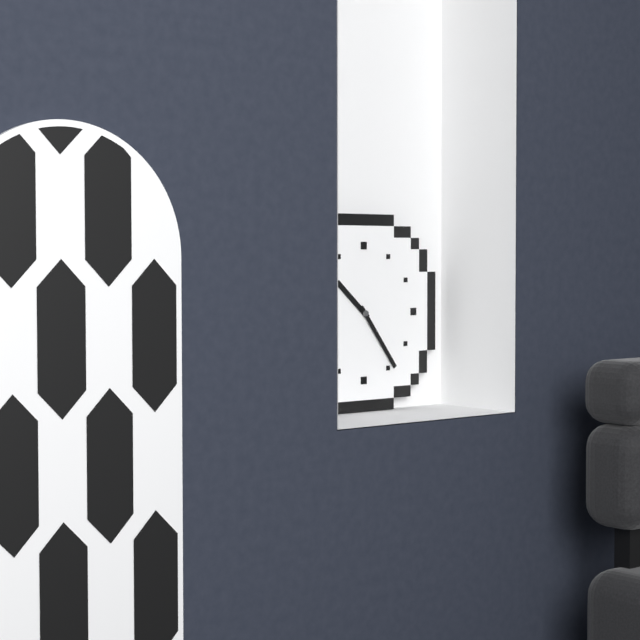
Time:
**10:24**
